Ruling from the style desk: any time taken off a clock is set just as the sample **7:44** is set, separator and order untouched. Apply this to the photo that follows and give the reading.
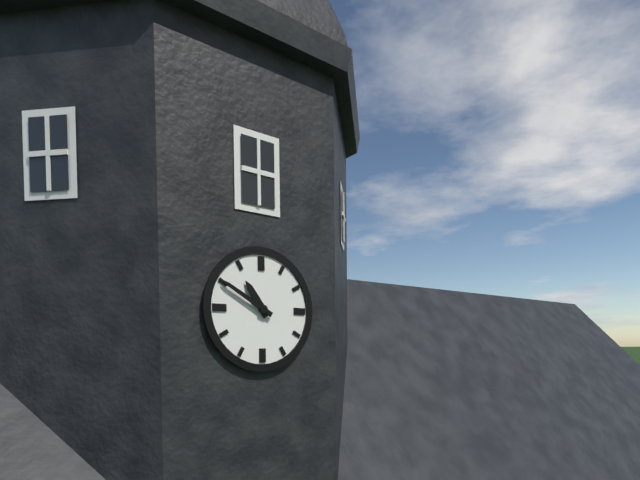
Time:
**10:50**
